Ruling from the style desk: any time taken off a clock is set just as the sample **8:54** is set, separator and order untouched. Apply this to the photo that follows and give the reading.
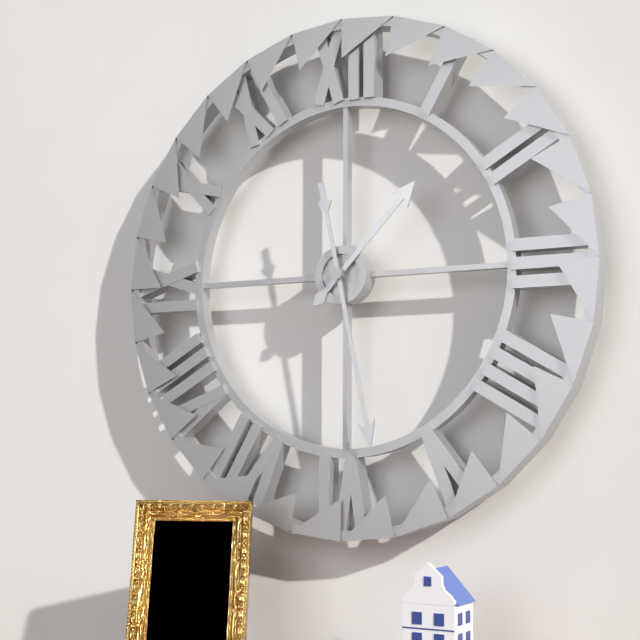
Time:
**1:28**
